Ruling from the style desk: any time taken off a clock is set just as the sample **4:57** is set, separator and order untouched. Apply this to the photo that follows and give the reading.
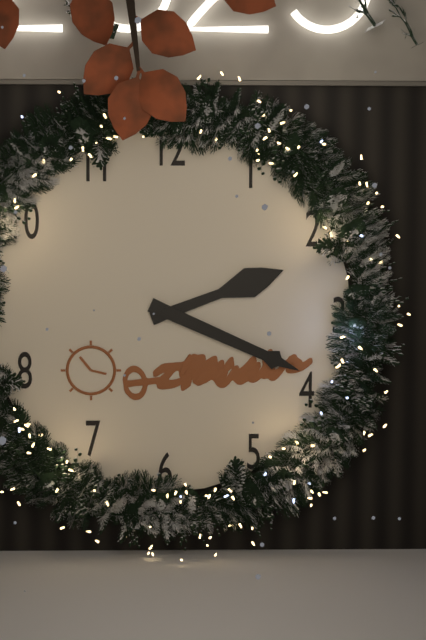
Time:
**2:19**
